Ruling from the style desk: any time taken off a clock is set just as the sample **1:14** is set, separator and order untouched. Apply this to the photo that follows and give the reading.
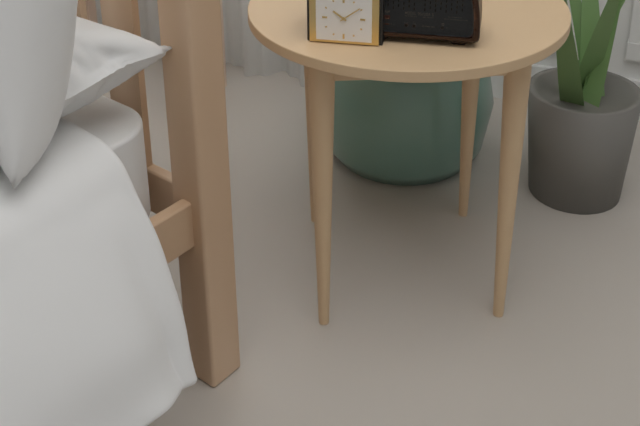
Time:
**10:09**
